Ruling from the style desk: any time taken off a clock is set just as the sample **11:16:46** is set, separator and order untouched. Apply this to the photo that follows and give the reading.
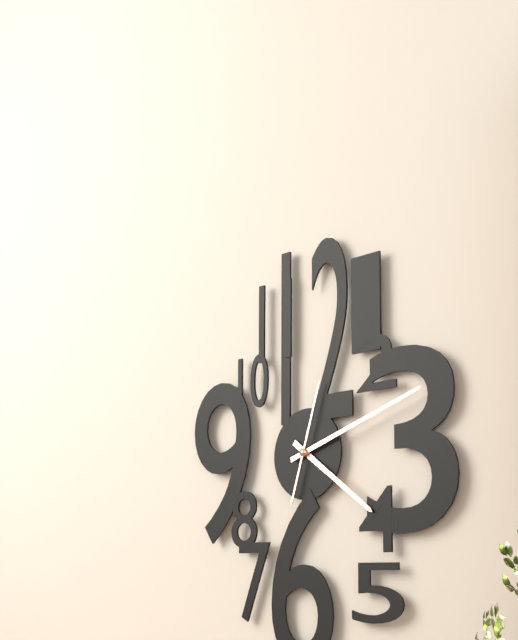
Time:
**4:12:03**
